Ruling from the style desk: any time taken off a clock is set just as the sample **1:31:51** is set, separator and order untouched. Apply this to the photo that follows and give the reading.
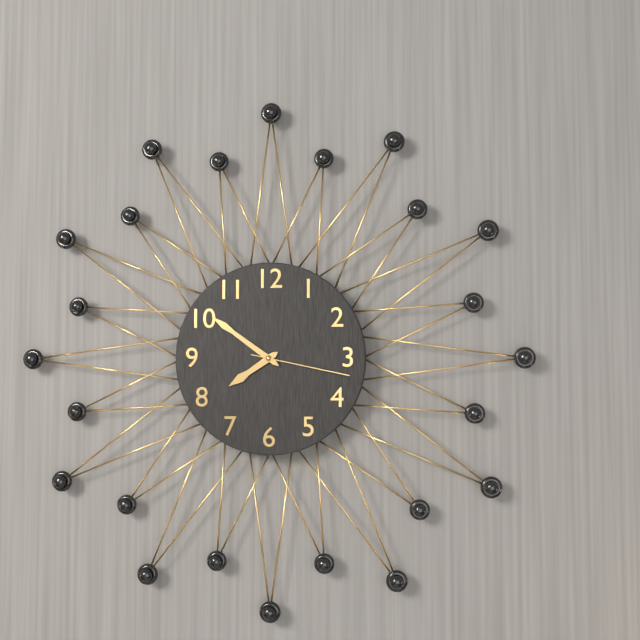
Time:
**7:51:17**
